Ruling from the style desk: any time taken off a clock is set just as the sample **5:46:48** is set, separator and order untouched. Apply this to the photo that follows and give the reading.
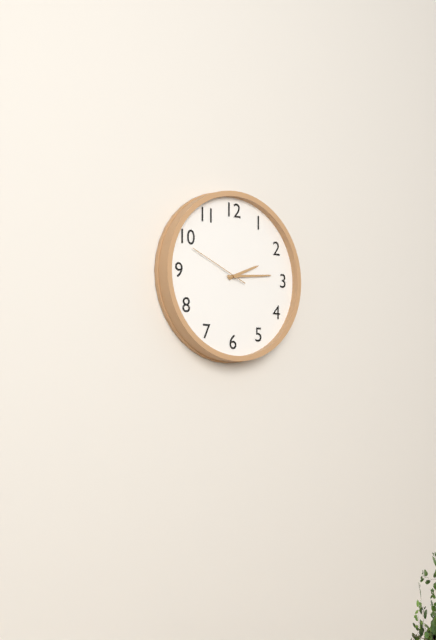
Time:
**2:14:49**
